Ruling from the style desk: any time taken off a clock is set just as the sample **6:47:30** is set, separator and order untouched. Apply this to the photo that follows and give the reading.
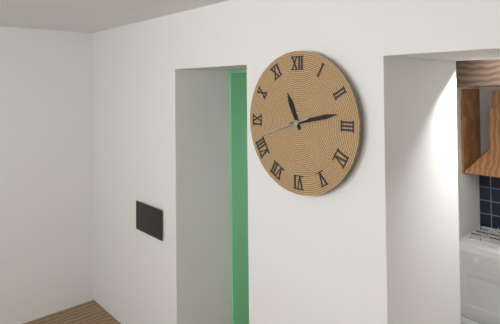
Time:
**11:13:42**
